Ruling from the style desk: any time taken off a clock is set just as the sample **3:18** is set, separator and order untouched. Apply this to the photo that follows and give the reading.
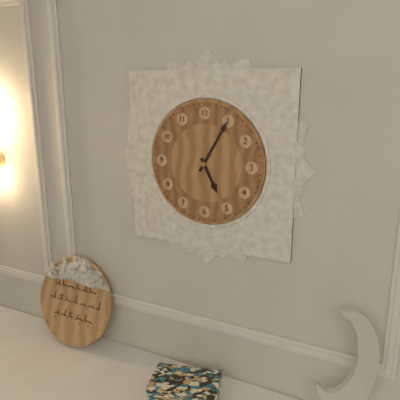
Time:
**5:05**
